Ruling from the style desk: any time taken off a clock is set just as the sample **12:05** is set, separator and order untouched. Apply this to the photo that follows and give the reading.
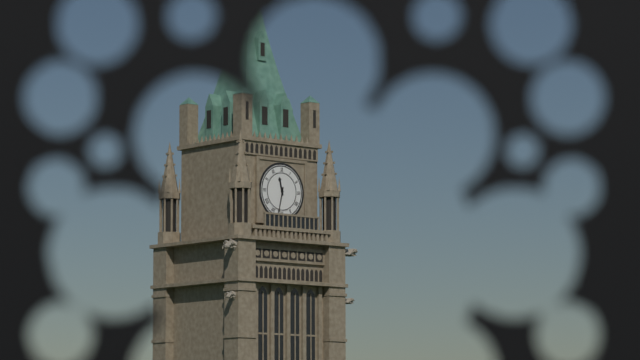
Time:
**11:32**
